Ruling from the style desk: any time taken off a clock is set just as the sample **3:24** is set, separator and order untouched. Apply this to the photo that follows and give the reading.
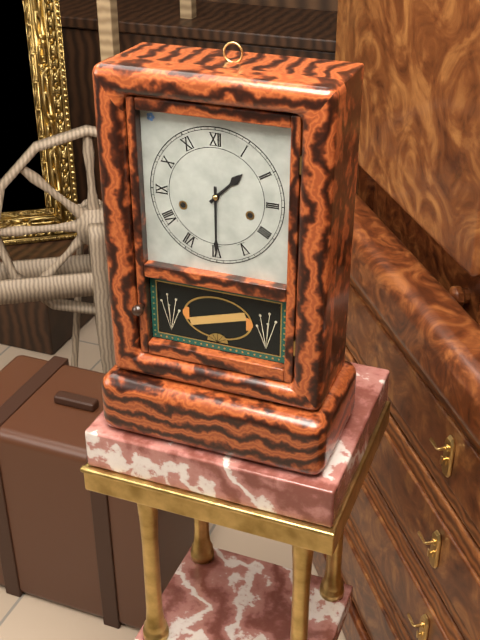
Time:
**1:30**
